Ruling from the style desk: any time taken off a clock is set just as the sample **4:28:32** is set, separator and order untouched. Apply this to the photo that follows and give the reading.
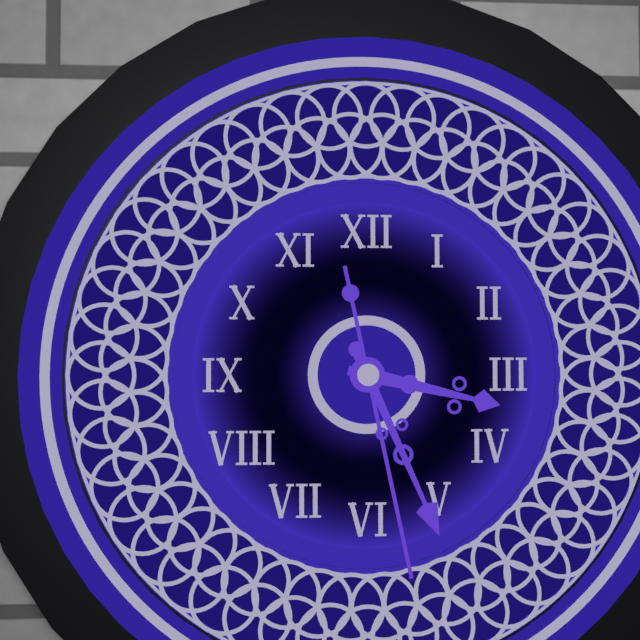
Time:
**3:26:28**
